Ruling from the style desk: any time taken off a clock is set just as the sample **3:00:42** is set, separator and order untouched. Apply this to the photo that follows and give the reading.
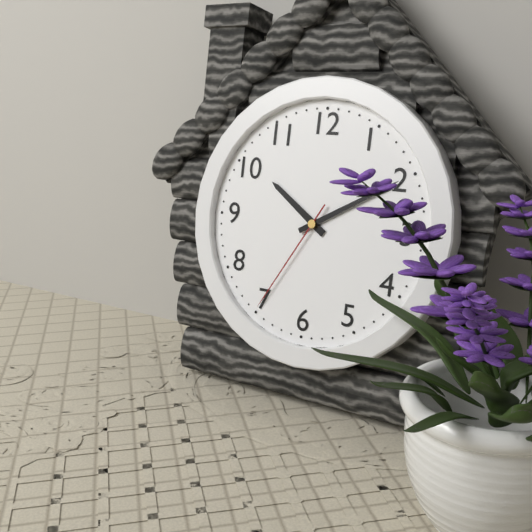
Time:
**10:10:35**
